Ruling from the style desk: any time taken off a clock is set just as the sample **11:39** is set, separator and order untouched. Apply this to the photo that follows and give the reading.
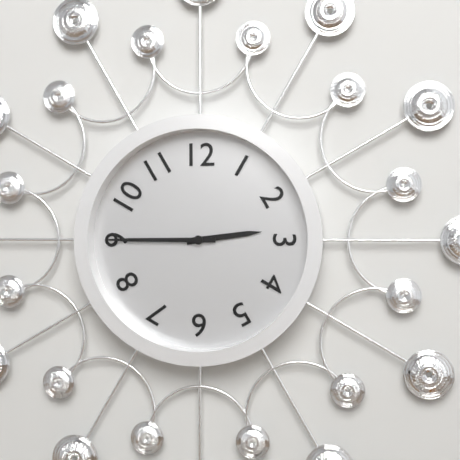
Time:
**2:45**
